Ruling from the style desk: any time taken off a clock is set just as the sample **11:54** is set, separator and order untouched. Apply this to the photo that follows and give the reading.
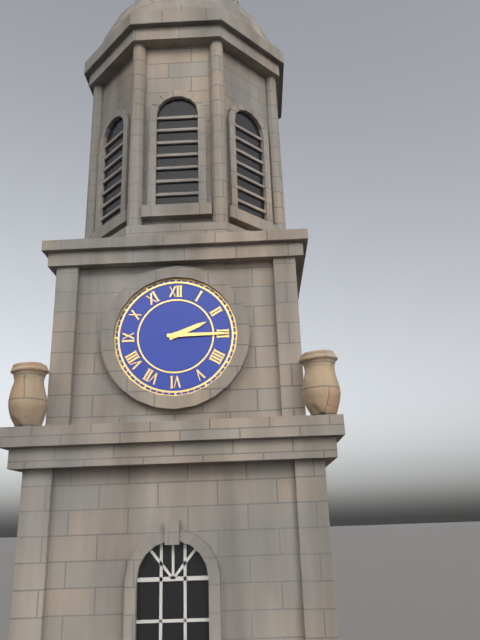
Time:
**2:15**
